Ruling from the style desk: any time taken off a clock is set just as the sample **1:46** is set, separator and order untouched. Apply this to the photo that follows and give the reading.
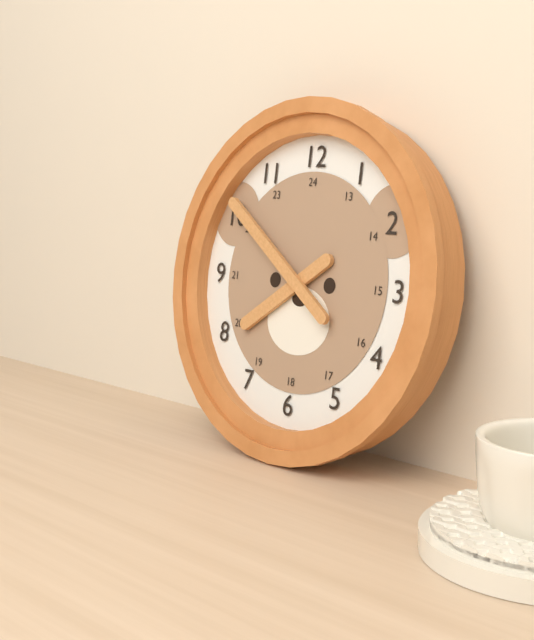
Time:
**7:51**
